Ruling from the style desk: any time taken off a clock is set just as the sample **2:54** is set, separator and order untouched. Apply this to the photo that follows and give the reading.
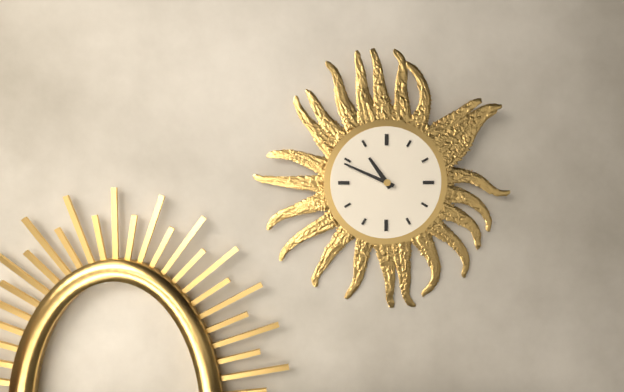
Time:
**10:49**
